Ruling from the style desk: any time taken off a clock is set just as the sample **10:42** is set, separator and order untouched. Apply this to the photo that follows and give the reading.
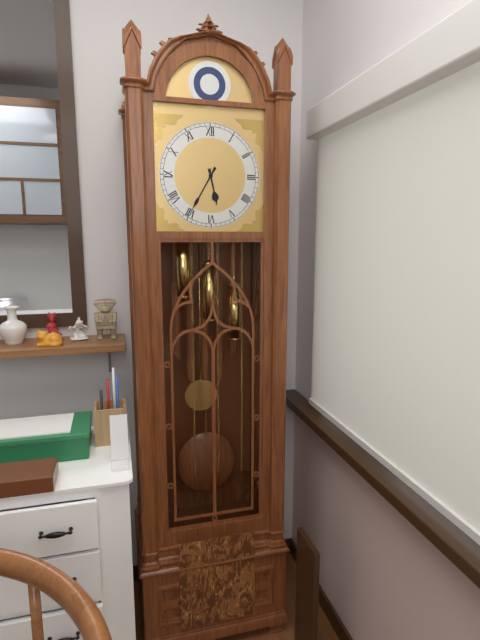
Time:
**5:35**
